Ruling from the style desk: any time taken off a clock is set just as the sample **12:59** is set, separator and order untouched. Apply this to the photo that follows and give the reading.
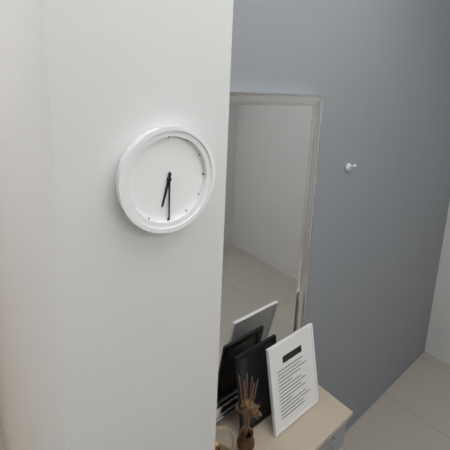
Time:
**6:30**
